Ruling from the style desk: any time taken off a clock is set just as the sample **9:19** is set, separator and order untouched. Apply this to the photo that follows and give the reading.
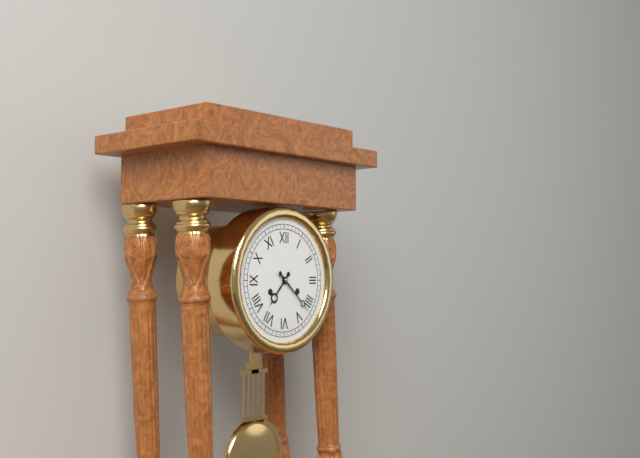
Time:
**7:22**
